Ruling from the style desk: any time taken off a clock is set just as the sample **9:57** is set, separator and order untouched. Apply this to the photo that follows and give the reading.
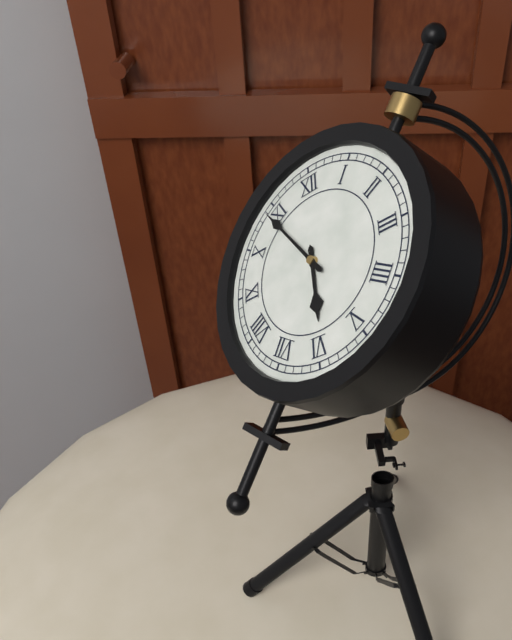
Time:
**5:54**
